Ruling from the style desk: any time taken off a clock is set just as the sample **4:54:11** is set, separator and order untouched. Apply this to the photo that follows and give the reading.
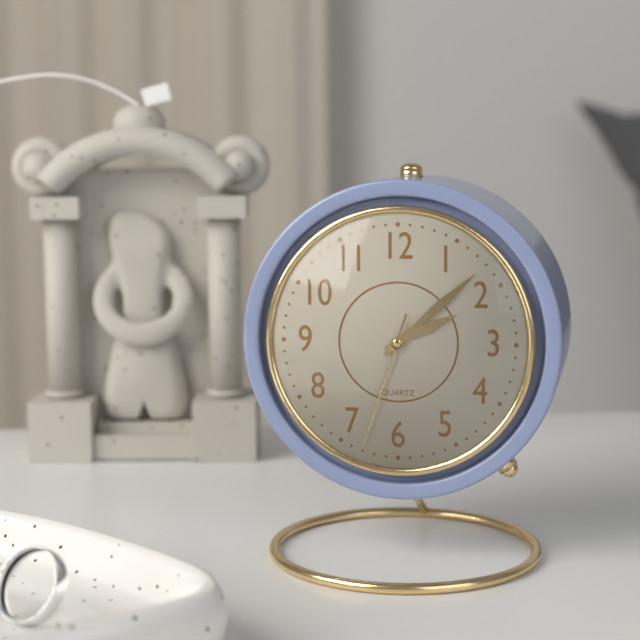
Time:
**2:08:33**
